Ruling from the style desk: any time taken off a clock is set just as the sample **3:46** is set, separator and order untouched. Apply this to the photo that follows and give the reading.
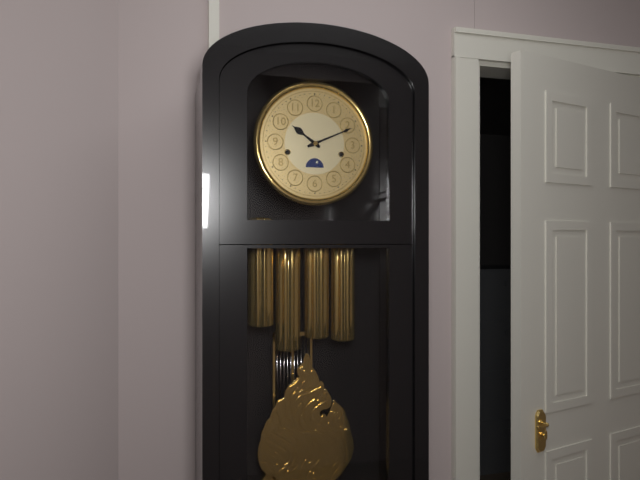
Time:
**10:11**
